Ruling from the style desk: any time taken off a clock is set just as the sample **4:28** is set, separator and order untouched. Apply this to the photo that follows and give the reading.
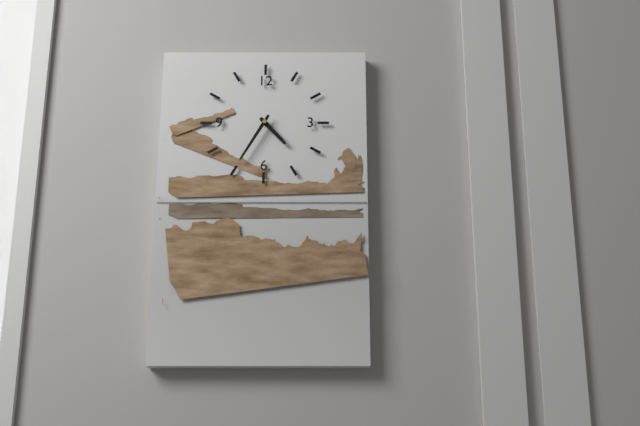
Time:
**4:35**
